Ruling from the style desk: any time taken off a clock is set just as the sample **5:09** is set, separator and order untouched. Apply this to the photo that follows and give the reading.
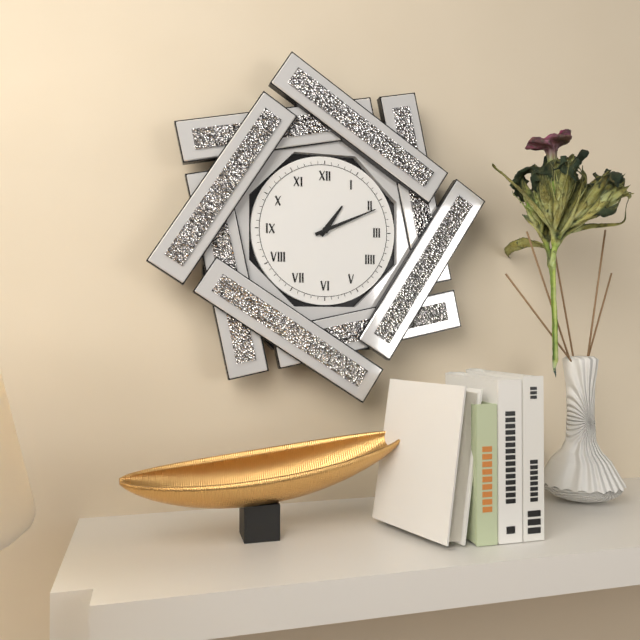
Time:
**1:11**
